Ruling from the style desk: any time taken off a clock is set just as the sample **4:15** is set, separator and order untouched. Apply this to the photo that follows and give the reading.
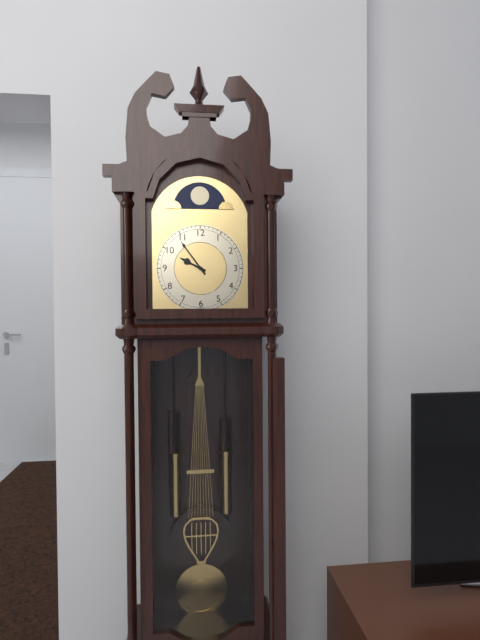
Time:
**9:54**
